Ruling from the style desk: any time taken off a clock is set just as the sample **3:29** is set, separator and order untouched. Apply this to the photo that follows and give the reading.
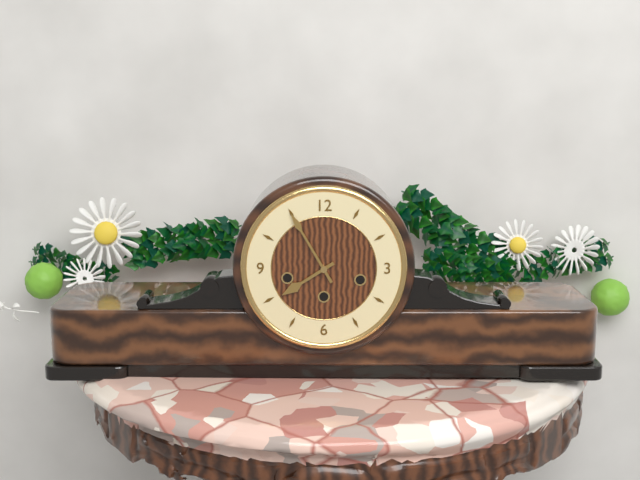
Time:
**7:55**
